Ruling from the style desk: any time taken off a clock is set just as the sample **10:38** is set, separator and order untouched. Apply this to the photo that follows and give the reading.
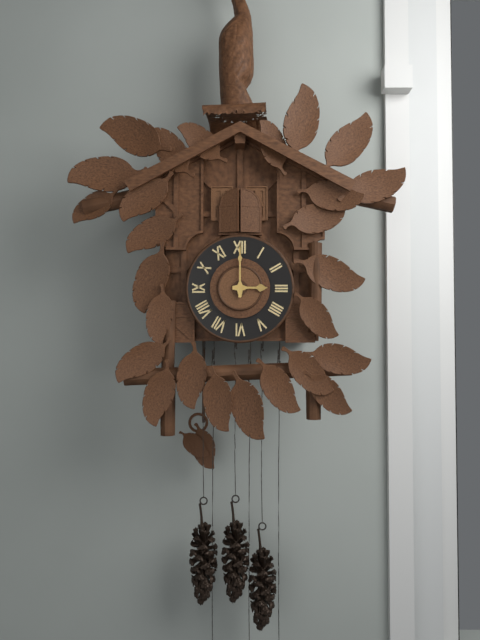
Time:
**3:00**
